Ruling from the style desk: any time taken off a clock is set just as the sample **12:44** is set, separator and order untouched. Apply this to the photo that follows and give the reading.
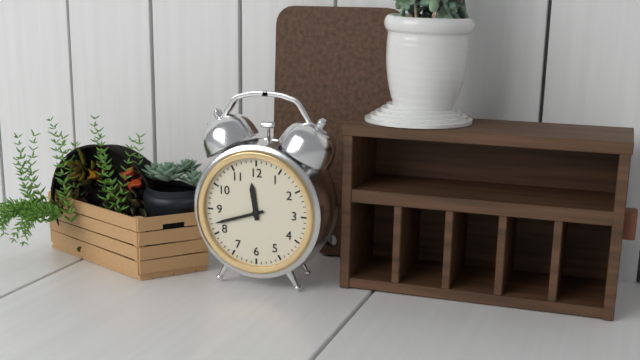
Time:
**11:42**
